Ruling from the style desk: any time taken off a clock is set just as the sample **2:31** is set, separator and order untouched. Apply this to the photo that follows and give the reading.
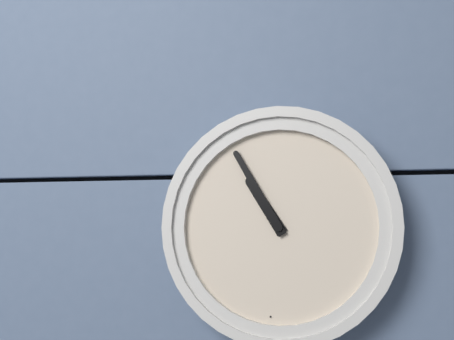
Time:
**10:55**
